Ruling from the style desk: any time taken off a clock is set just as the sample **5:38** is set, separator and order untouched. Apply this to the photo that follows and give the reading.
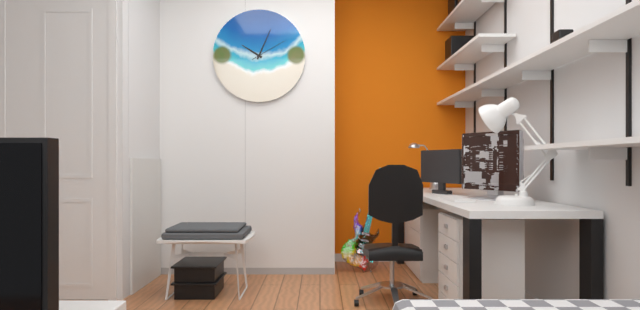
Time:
**10:04**
